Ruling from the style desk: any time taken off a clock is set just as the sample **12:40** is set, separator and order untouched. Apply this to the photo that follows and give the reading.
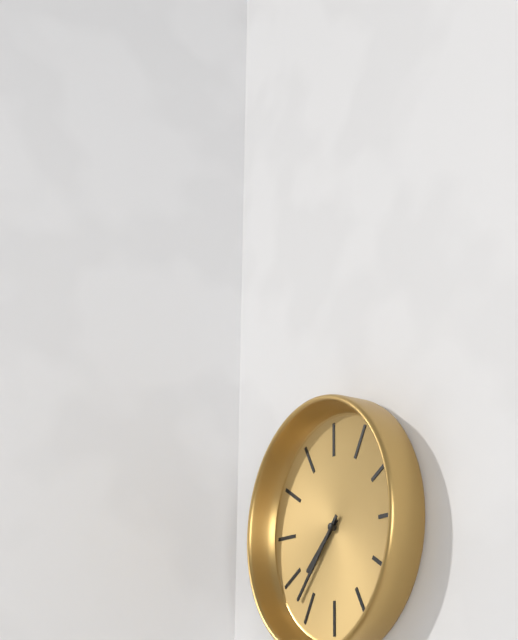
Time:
**7:37**
